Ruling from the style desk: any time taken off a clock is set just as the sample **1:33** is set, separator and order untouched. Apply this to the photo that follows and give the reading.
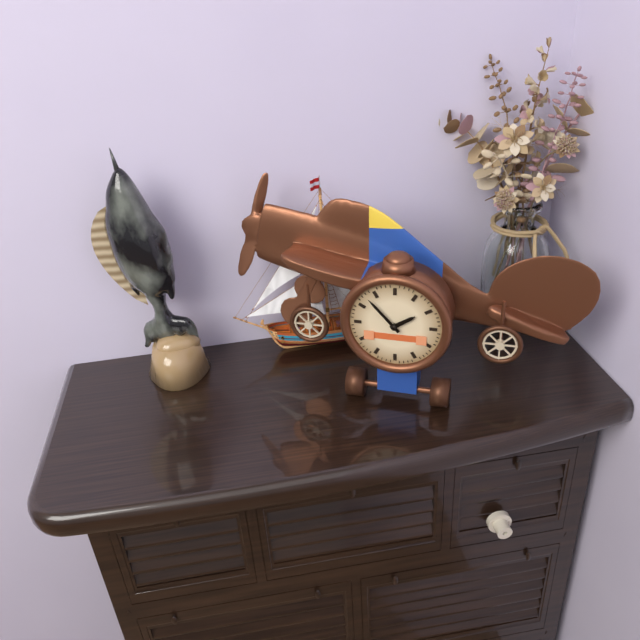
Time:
**1:53**
